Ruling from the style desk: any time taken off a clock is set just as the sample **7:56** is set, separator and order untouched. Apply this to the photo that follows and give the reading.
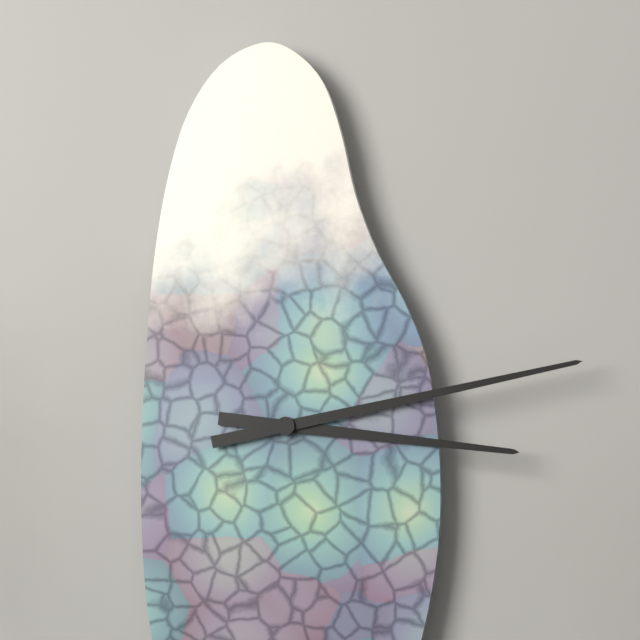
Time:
**3:13**
